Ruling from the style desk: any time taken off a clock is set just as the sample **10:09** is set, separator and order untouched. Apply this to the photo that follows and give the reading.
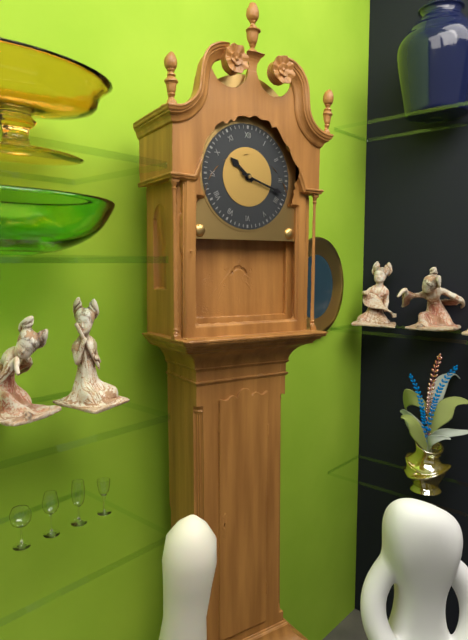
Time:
**10:18**
